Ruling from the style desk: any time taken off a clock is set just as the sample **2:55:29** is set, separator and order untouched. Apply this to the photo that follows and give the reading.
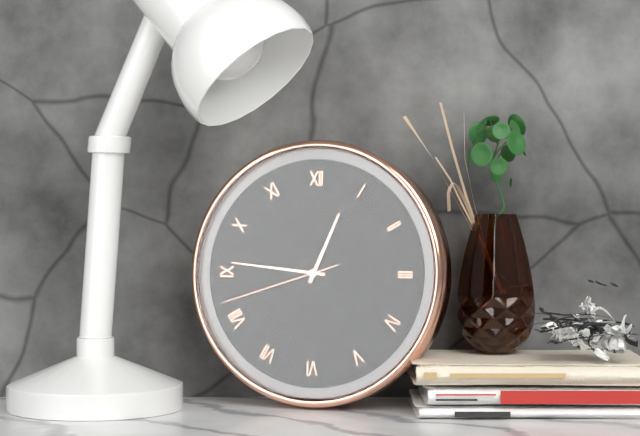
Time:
**12:46:42**
